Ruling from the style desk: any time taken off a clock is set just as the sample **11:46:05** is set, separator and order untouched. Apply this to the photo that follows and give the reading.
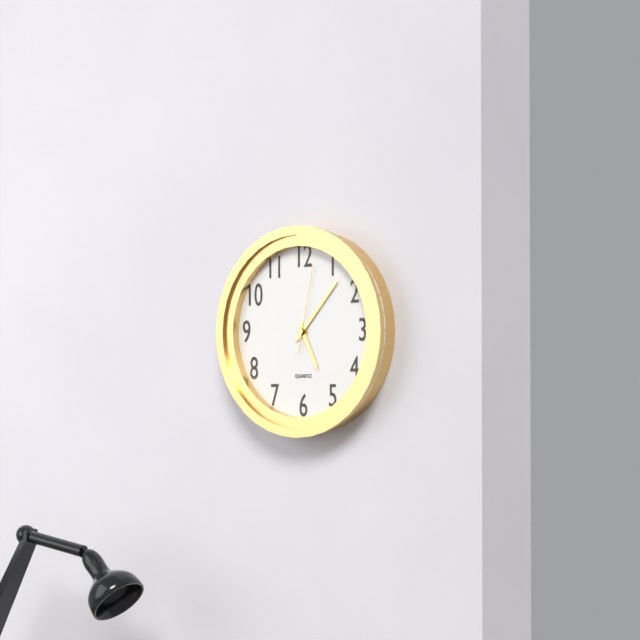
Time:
**5:07:02**
